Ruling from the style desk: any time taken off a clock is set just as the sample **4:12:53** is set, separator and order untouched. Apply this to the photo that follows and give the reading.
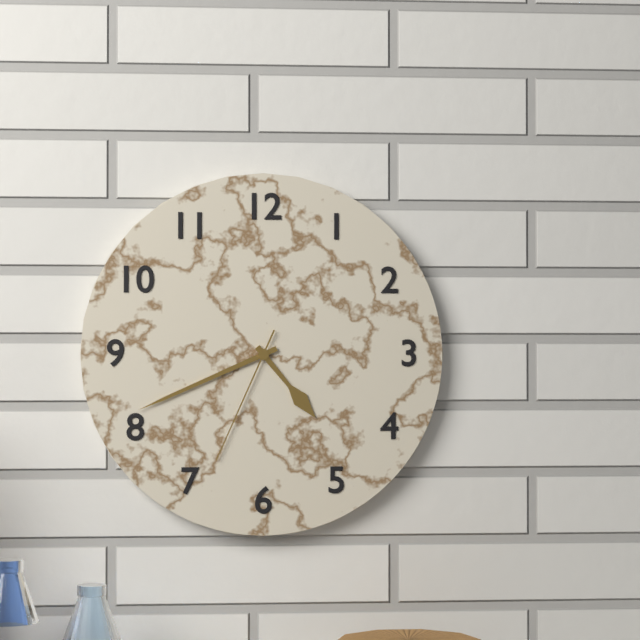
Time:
**4:41:34**
